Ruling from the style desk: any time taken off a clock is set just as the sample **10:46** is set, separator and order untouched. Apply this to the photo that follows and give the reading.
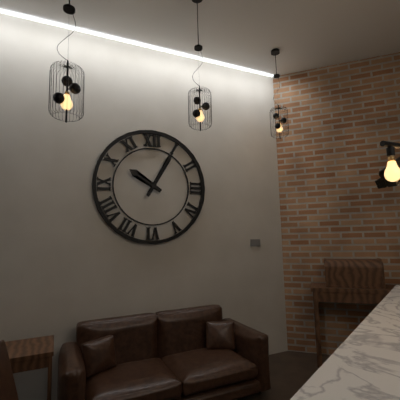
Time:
**10:05**
